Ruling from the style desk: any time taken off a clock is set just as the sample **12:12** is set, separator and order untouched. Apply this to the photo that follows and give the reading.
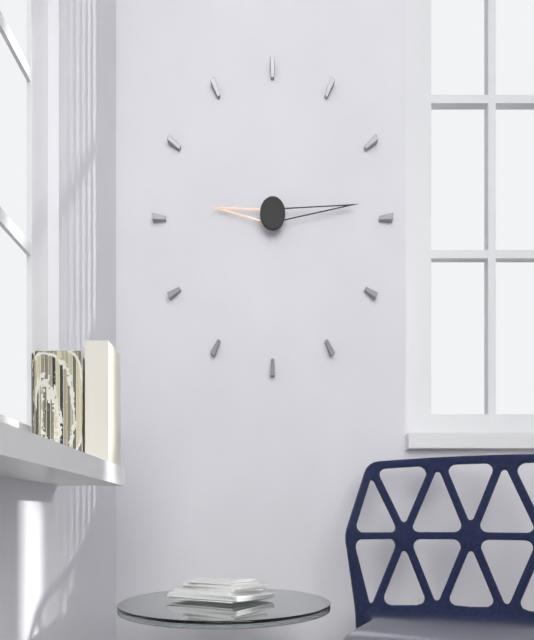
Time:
**9:14**
